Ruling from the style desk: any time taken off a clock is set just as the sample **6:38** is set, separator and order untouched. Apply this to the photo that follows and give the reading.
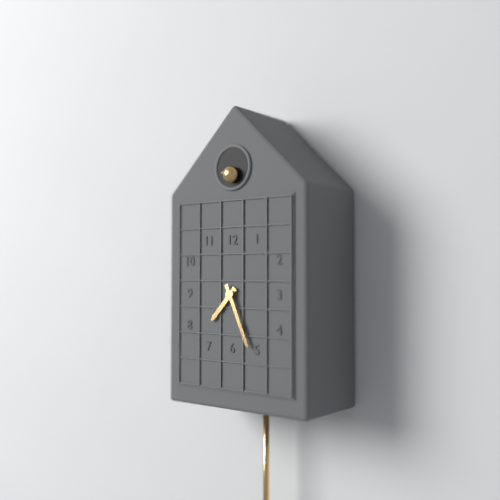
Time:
**7:26**
